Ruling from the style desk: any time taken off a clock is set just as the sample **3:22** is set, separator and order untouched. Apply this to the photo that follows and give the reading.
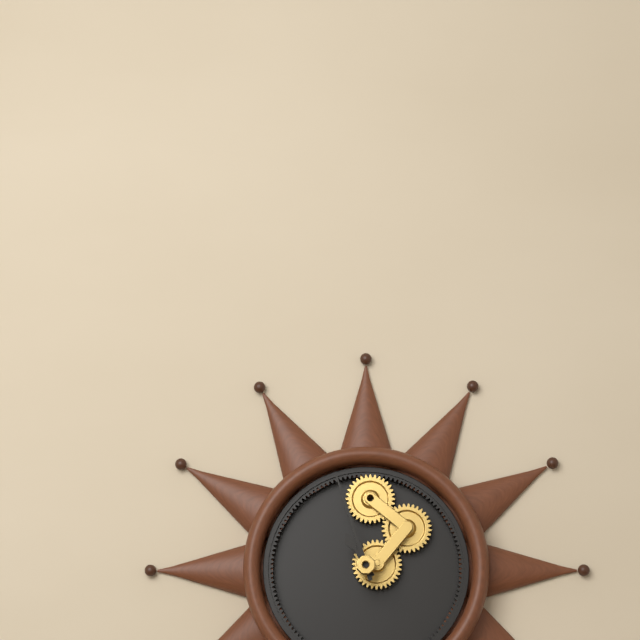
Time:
**10:57**
